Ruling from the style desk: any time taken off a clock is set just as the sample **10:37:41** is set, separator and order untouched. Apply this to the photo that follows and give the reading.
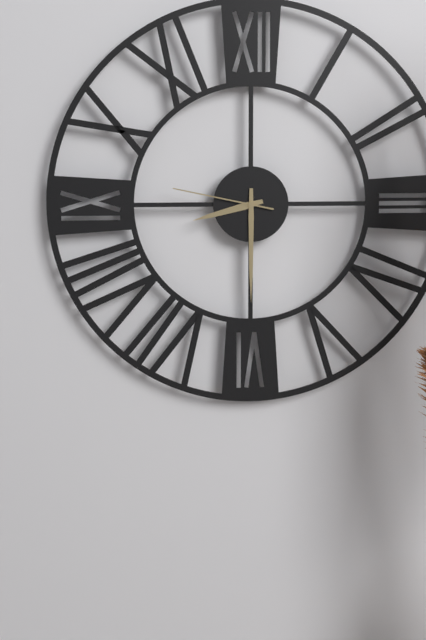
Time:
**8:30:47**
